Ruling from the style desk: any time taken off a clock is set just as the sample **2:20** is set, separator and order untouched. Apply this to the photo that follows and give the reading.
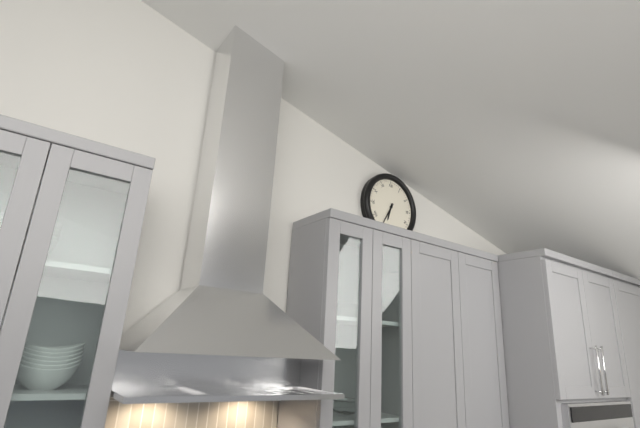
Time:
**6:35**
